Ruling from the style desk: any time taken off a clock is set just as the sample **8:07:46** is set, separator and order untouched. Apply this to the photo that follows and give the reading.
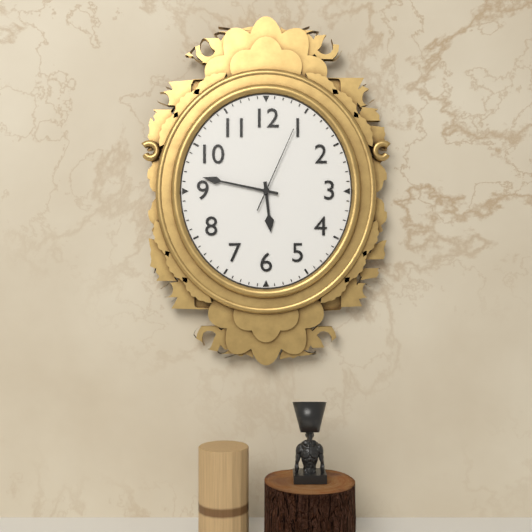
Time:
**5:47:04**
